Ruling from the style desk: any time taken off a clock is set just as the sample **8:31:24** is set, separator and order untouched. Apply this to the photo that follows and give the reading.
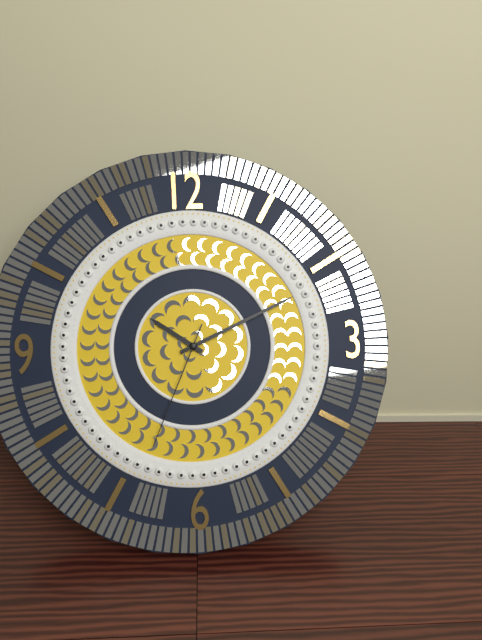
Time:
**10:11:34**
